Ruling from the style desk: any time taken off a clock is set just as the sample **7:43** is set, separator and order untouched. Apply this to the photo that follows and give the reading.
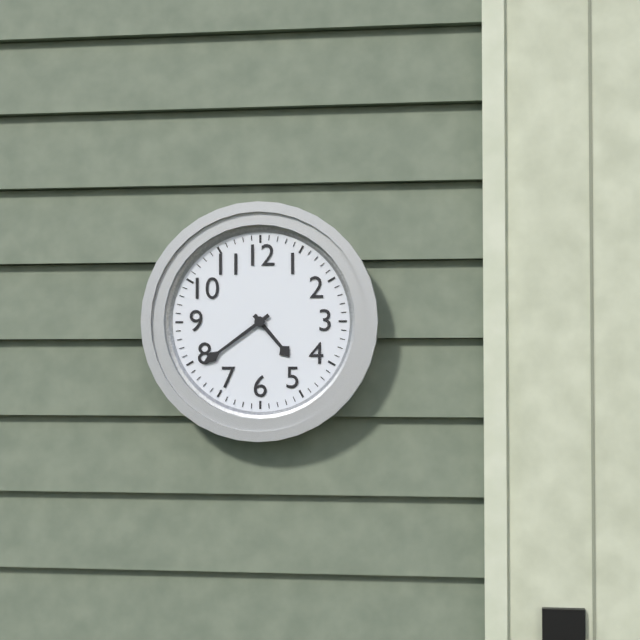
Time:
**4:39**
